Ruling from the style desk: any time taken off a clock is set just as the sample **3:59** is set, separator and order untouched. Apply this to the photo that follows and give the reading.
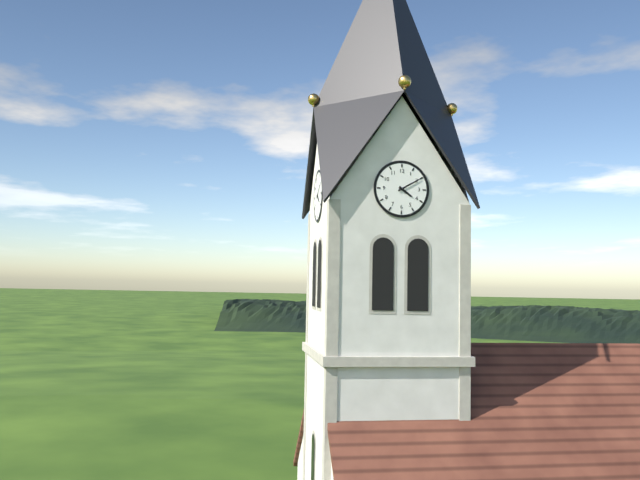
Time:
**4:10**
